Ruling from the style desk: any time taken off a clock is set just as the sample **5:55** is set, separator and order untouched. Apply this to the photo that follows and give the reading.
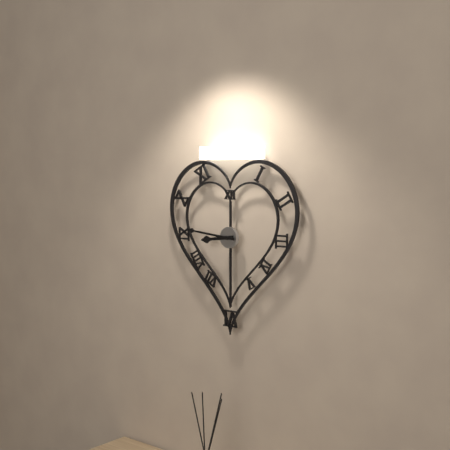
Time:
**8:46**
